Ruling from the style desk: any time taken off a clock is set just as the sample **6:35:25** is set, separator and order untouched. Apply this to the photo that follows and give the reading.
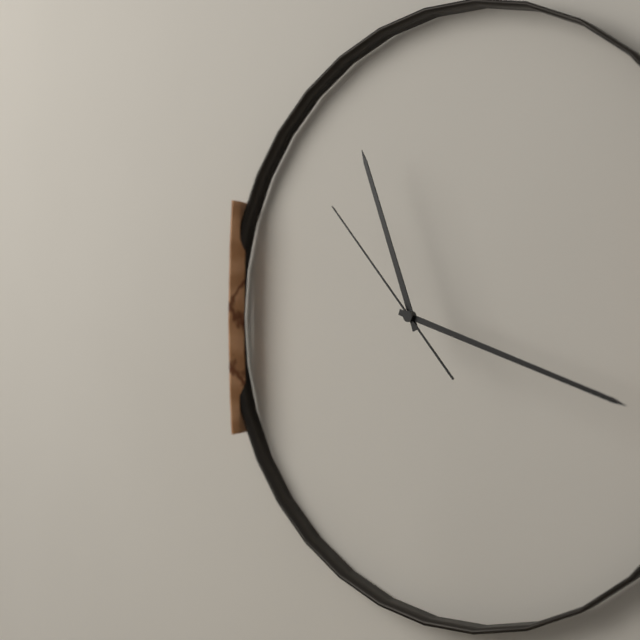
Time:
**11:18:53**
